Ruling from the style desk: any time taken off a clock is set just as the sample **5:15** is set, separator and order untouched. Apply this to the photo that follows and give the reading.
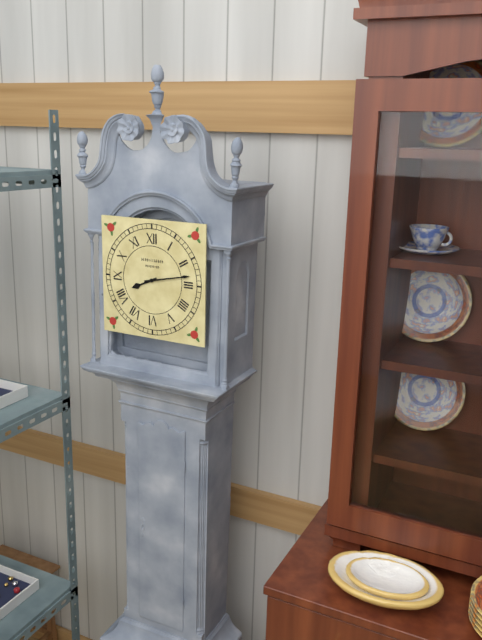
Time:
**8:13**
